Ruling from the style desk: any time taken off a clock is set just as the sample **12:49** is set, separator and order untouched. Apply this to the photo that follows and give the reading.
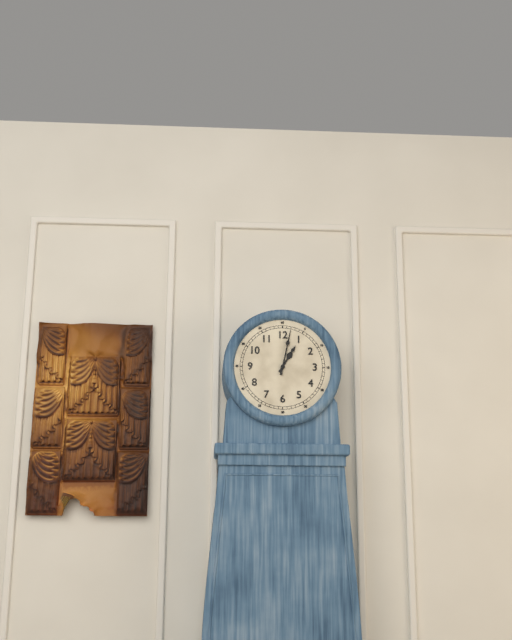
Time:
**1:02**
